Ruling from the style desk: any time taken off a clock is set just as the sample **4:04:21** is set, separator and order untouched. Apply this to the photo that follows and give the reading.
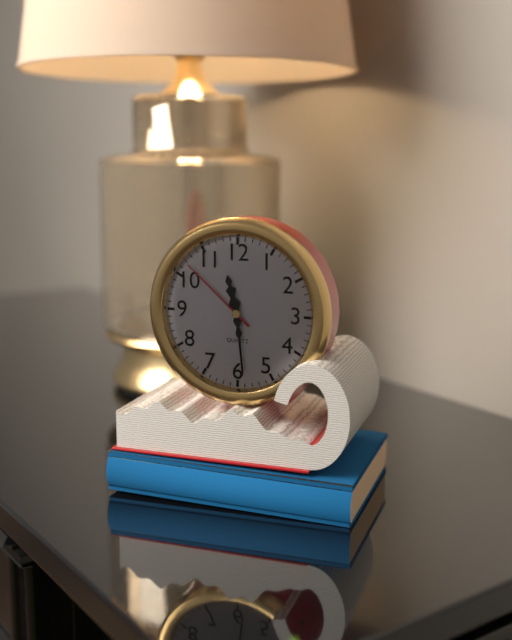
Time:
**11:29:52**
